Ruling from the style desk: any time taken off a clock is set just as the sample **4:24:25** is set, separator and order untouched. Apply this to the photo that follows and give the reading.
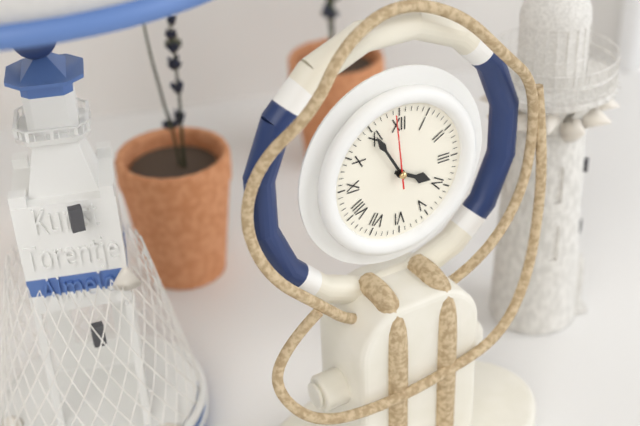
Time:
**3:55:59**
